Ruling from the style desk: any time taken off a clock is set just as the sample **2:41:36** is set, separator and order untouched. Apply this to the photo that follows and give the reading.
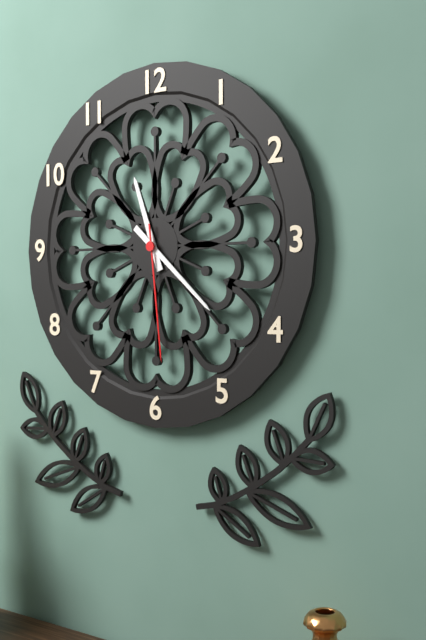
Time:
**11:22:29**
